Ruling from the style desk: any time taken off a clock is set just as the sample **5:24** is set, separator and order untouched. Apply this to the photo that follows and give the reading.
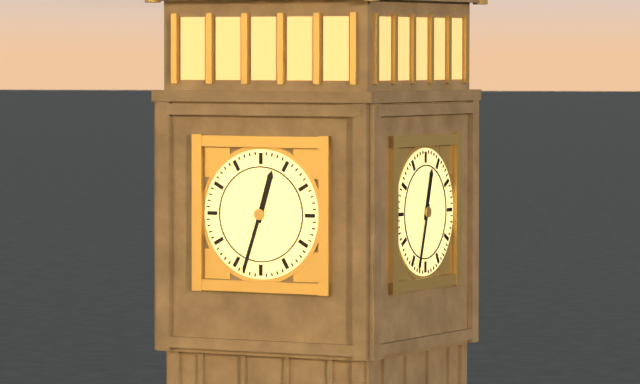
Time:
**12:33**
